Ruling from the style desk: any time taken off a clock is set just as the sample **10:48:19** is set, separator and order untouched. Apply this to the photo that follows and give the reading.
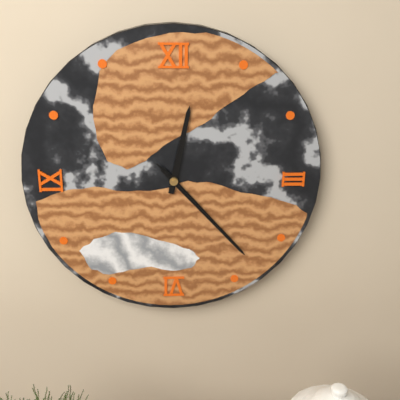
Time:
**12:23:23**
